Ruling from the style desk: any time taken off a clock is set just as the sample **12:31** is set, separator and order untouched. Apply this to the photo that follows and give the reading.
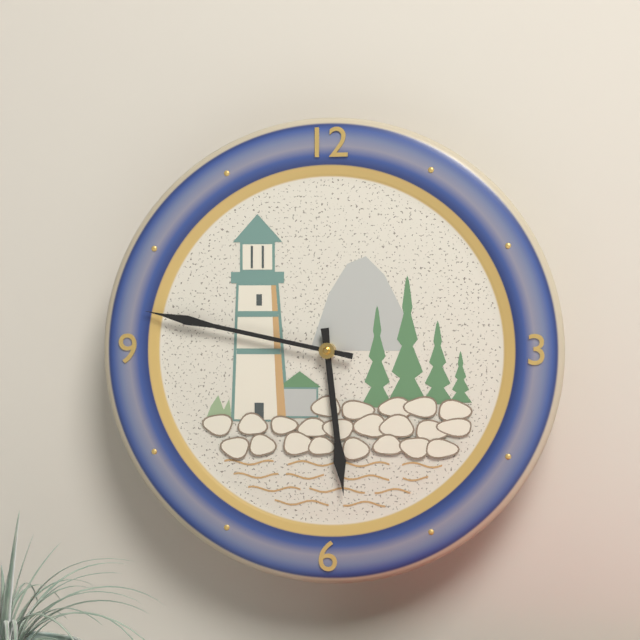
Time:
**5:47**
